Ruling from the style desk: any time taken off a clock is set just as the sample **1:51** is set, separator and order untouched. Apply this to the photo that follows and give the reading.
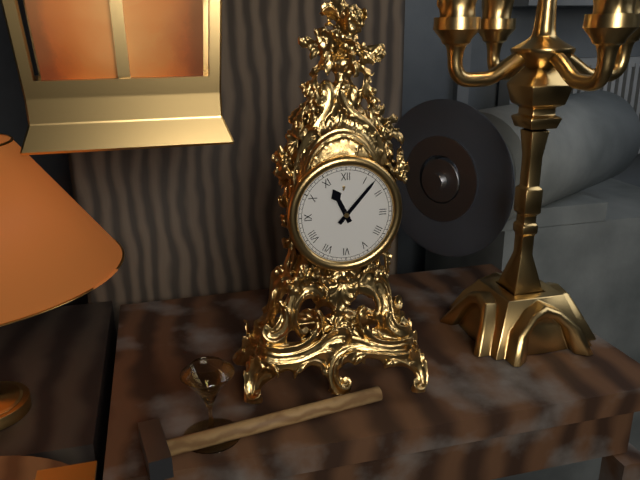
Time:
**11:07**
